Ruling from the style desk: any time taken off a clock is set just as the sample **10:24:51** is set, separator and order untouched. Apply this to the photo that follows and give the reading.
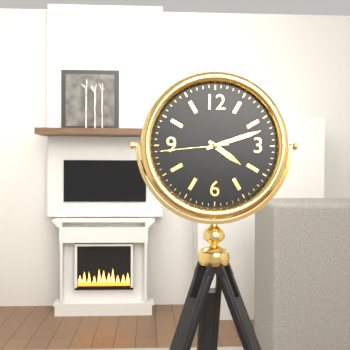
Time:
**4:12:44**
